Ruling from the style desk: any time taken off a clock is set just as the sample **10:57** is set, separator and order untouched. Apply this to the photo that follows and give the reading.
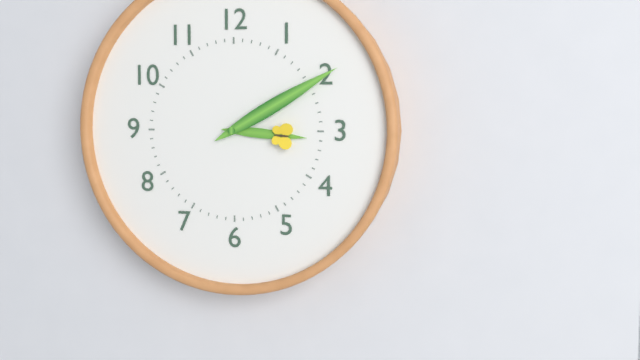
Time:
**3:10**
